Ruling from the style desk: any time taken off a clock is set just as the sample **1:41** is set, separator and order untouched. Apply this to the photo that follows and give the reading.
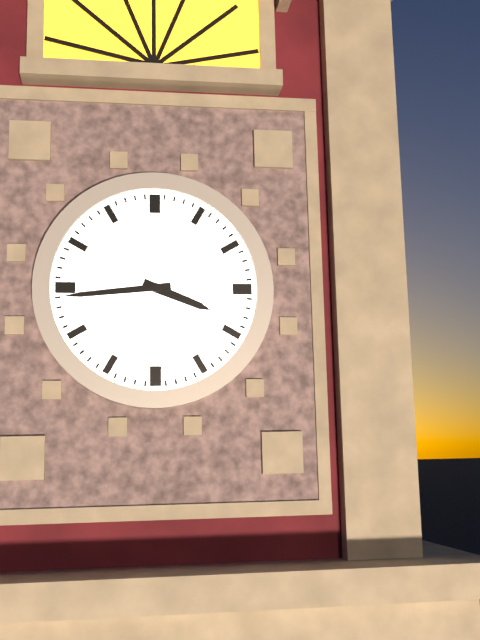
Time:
**3:44**
